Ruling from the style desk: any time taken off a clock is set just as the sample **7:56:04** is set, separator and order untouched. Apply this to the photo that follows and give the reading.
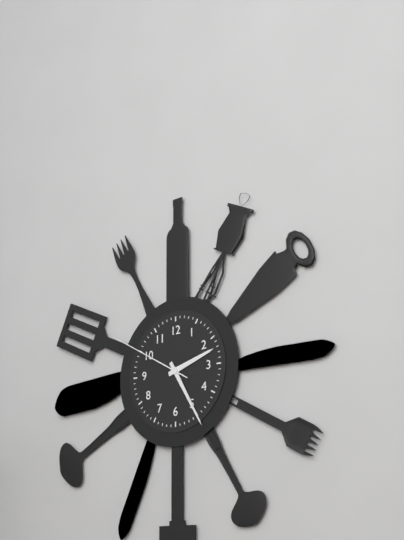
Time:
**2:25:50**
